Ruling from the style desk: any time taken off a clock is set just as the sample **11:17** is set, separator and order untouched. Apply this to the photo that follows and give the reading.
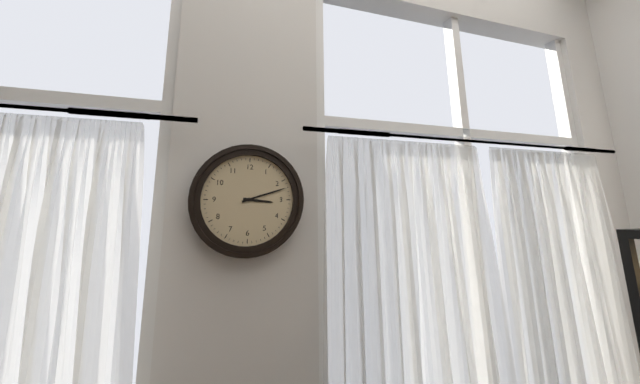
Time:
**3:12**
